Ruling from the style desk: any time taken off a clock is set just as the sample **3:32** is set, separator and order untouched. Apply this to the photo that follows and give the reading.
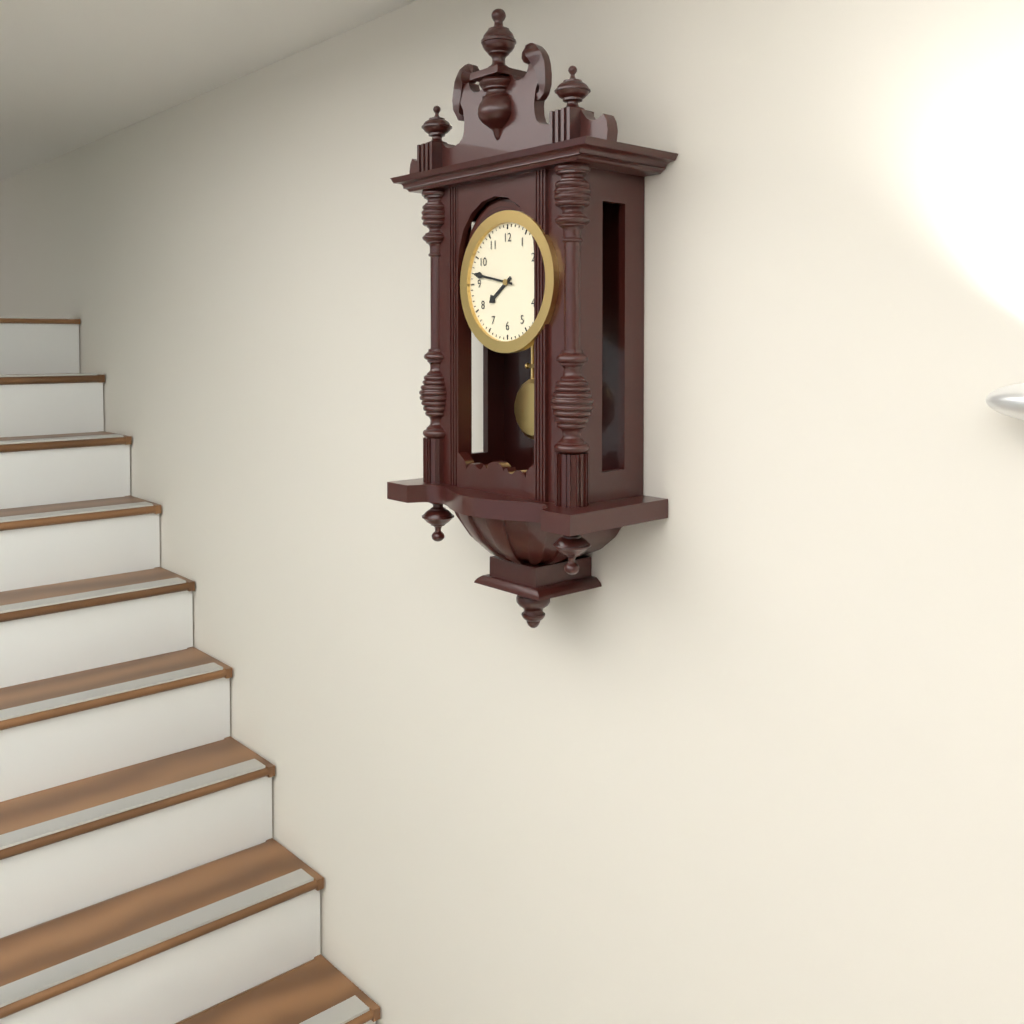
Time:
**7:47**
